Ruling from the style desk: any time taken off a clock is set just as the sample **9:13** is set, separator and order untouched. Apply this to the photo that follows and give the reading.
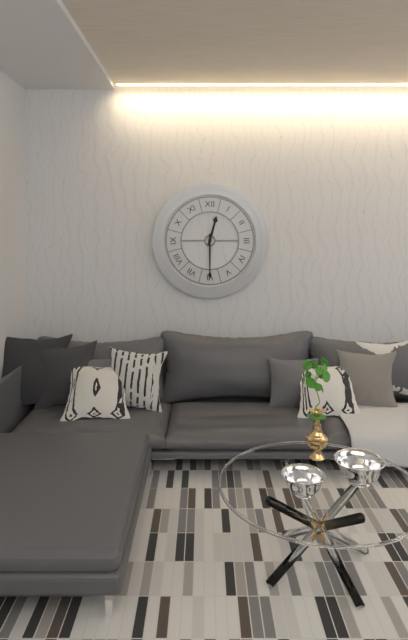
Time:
**12:30**
